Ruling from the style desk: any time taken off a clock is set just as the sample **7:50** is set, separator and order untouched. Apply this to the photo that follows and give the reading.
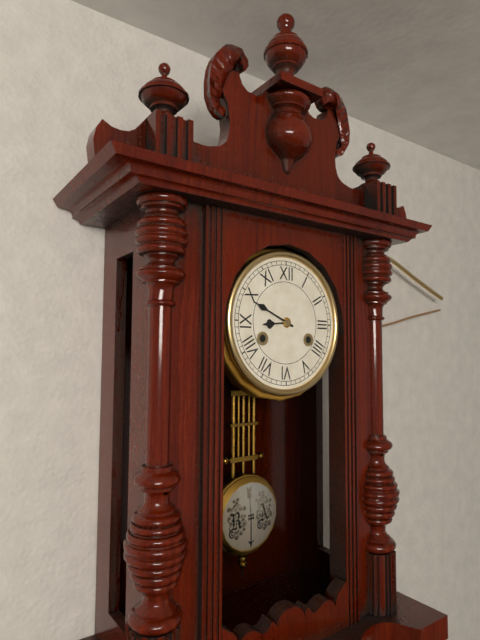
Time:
**8:49**
